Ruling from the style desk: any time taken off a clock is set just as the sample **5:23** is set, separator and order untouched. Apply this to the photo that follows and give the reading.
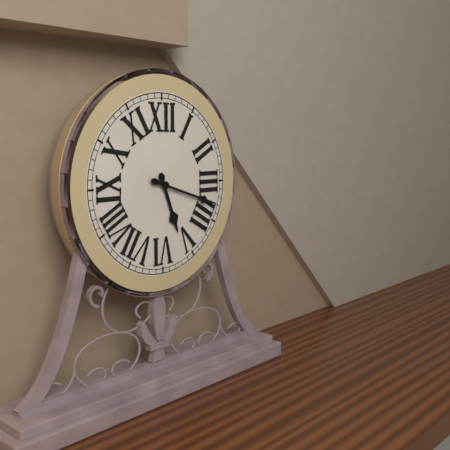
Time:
**5:18**
